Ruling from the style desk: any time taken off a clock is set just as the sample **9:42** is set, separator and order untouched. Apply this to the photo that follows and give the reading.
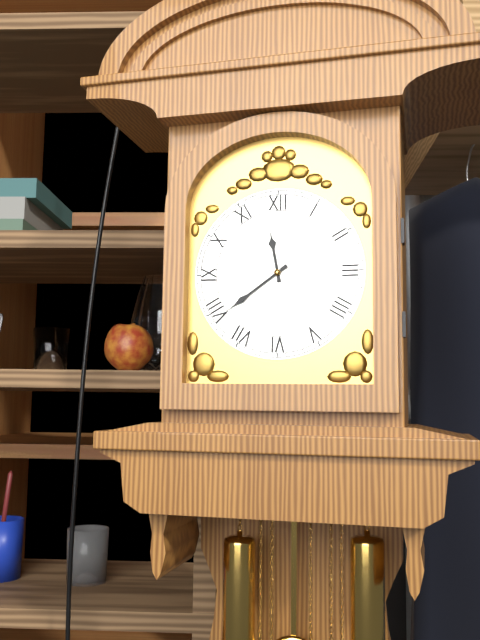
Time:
**11:39**
